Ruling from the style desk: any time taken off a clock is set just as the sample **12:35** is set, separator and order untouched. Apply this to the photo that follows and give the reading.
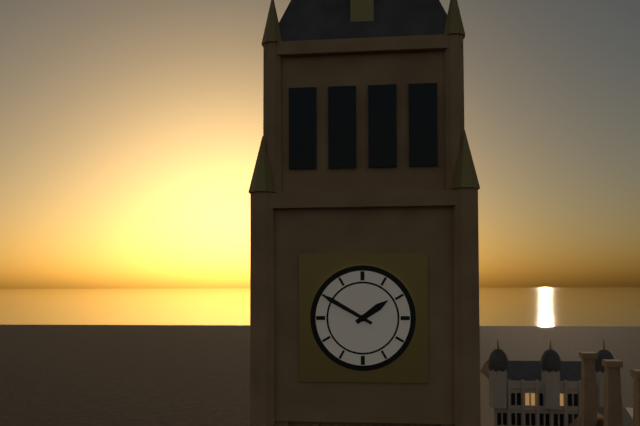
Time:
**1:50**
